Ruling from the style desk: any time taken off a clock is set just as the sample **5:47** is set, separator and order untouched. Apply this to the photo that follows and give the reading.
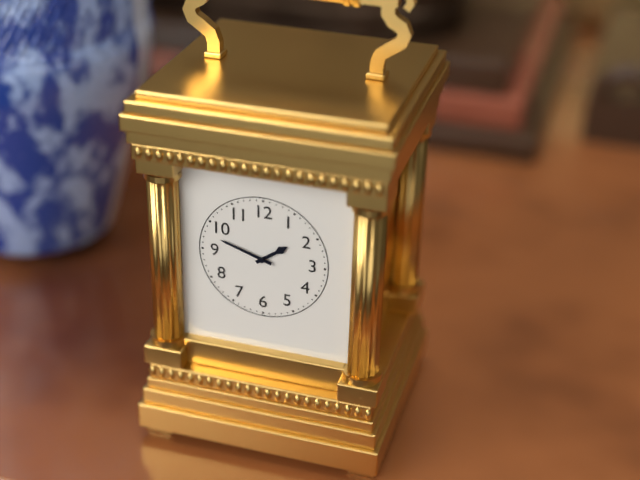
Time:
**1:48**
